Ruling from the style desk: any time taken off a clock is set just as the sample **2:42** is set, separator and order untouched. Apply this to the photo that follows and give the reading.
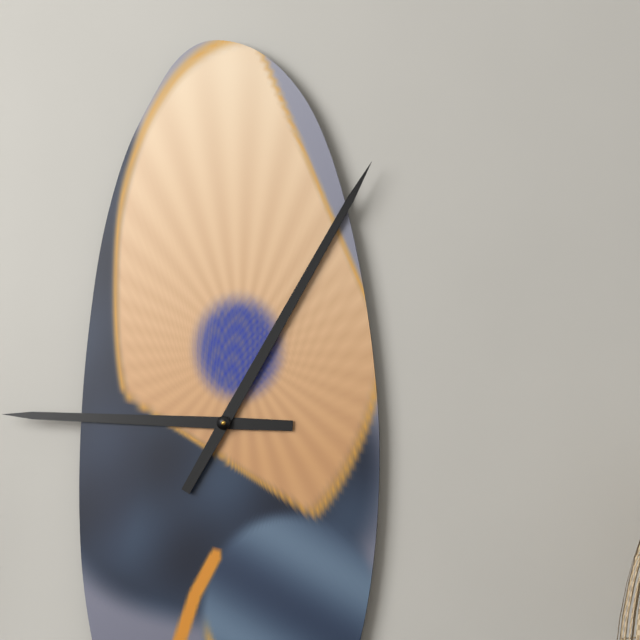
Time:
**9:05**
